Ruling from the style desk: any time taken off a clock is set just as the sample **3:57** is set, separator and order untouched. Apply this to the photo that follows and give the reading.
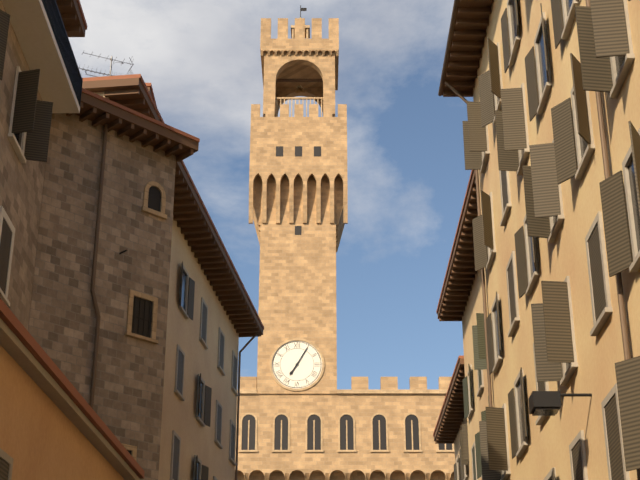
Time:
**7:05**
